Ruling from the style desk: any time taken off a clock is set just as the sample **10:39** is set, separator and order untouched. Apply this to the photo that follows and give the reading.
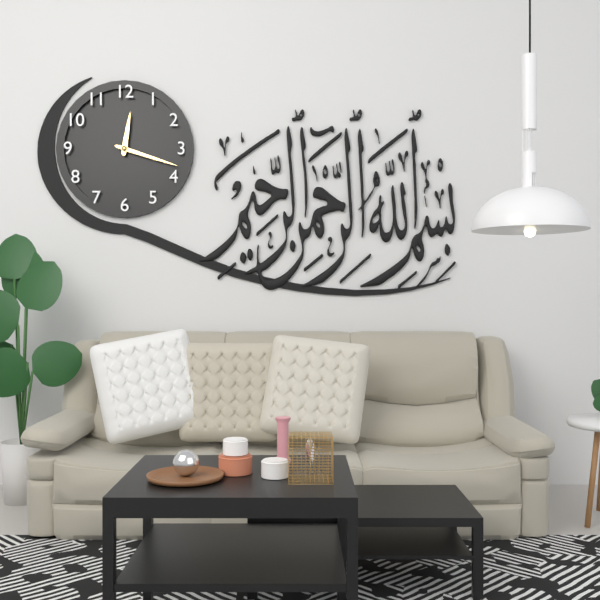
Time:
**12:18**
